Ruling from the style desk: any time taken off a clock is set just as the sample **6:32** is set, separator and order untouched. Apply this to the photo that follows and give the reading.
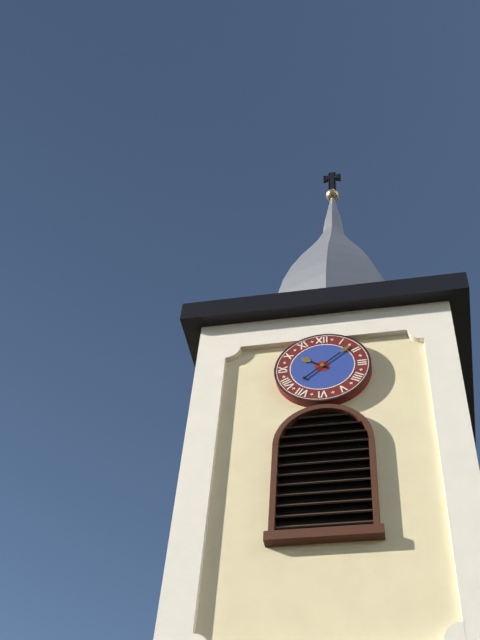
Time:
**10:08**
